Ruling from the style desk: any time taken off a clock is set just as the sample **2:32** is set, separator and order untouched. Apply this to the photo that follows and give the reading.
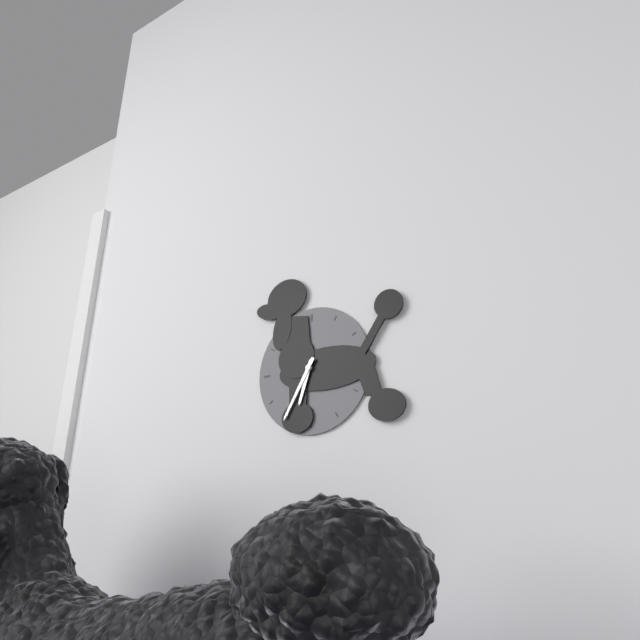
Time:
**6:35**
